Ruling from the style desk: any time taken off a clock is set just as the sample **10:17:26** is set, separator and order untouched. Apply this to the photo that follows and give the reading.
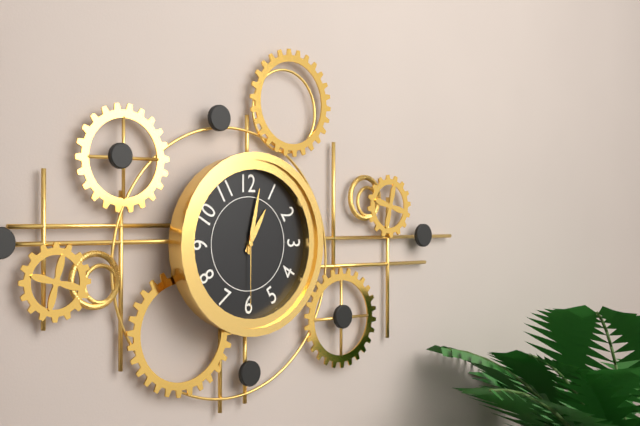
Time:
**1:02:30**
